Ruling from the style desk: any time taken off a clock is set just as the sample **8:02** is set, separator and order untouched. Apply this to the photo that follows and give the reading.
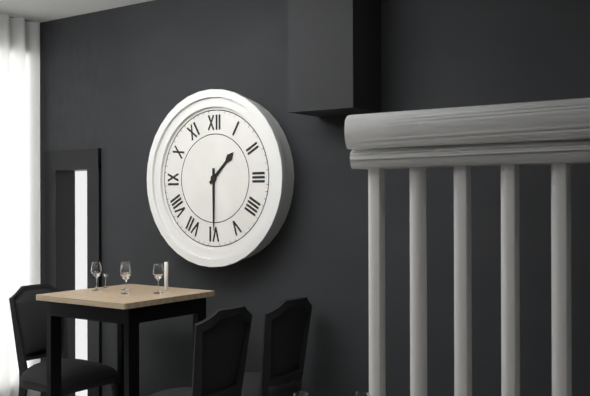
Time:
**1:30**
